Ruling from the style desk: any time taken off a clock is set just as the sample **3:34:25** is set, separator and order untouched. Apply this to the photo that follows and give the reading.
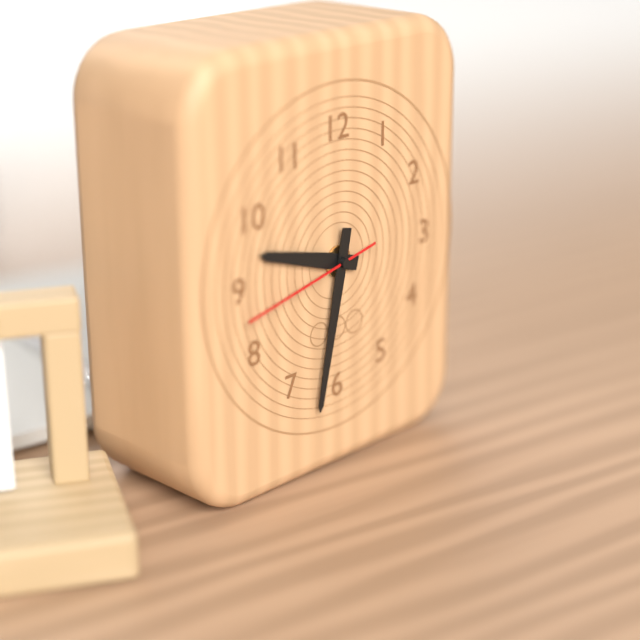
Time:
**9:32:43**
